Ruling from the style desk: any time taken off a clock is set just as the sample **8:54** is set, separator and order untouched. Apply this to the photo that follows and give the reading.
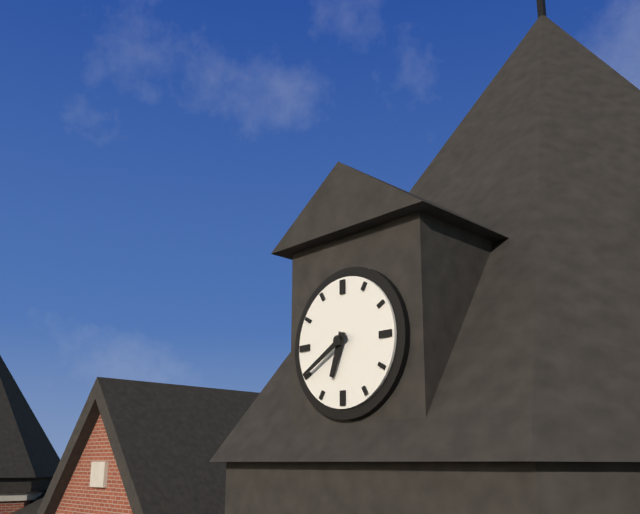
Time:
**6:40**
